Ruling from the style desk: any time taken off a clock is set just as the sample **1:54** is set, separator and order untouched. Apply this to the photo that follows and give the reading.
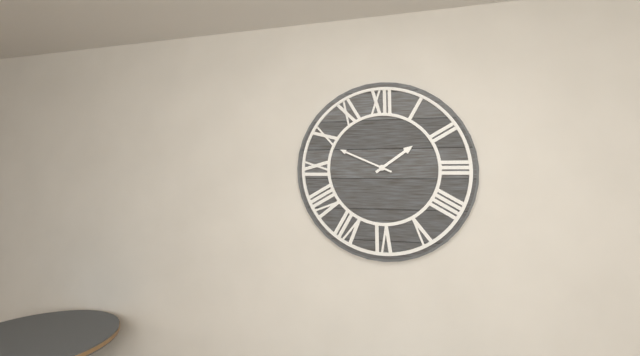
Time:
**1:49**
